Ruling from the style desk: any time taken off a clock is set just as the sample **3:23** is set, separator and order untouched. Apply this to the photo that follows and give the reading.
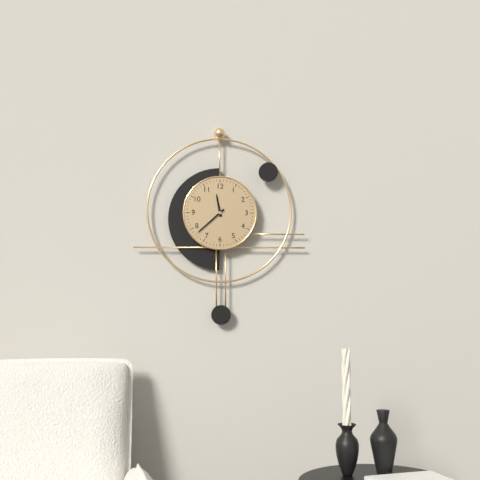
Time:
**11:38**
